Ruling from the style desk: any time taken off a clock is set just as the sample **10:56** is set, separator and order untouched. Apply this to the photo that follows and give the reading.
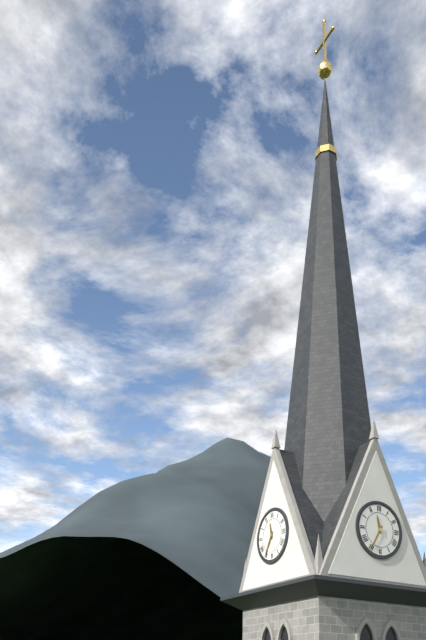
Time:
**11:35**
